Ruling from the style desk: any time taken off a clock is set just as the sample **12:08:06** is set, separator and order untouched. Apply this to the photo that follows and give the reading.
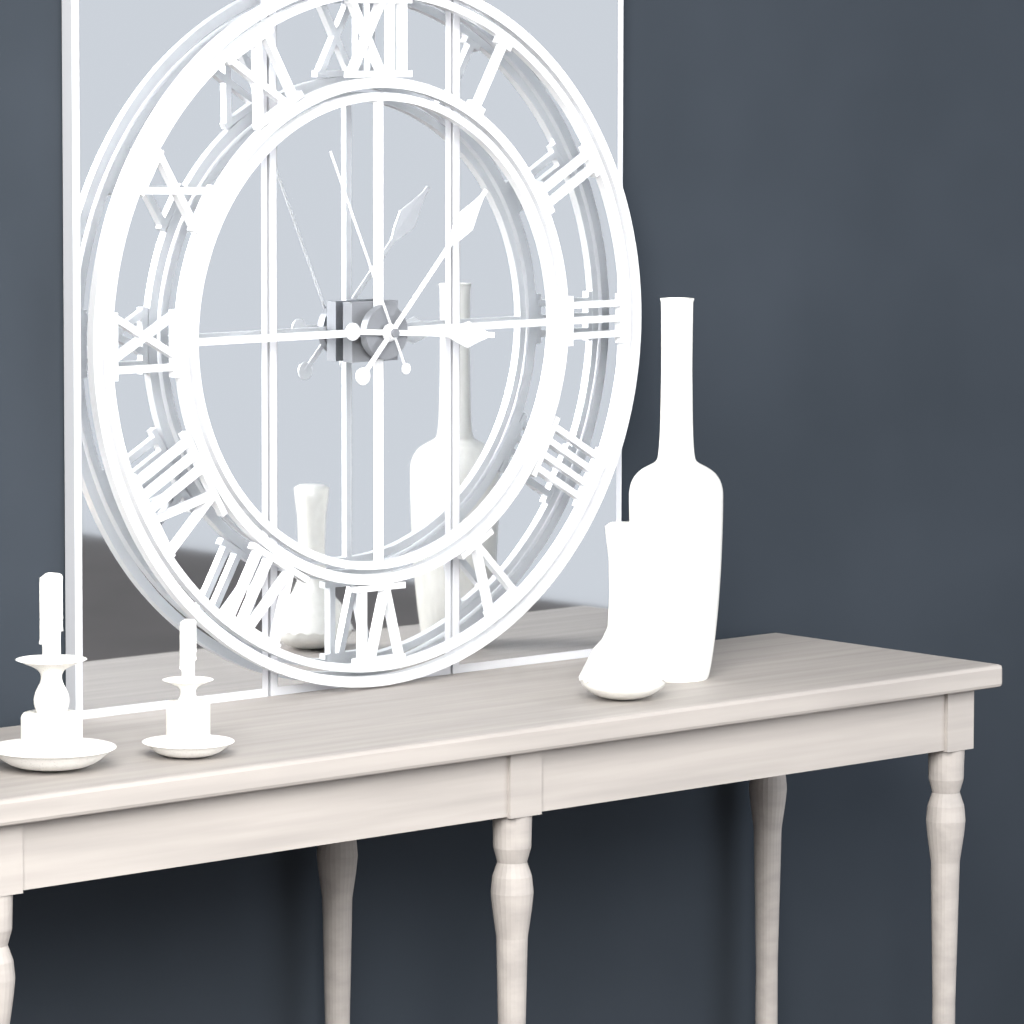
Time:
**3:07:56**
